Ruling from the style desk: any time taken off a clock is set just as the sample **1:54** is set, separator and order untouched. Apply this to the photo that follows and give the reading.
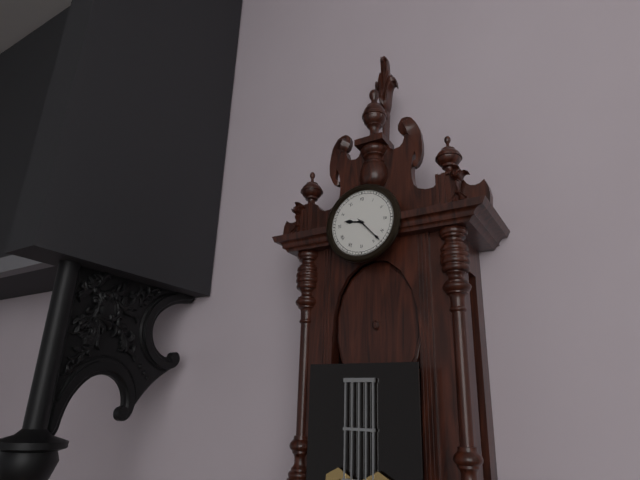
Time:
**9:23**
